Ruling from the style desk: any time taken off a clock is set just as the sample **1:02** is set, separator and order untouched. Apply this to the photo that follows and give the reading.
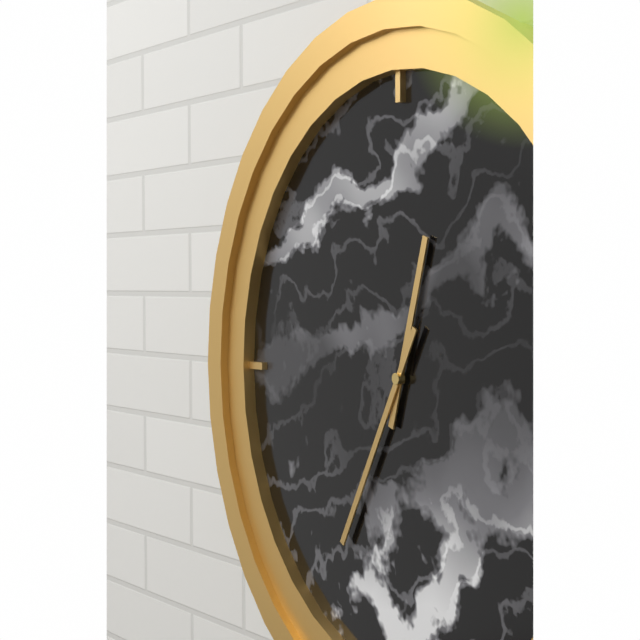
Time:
**12:35**
